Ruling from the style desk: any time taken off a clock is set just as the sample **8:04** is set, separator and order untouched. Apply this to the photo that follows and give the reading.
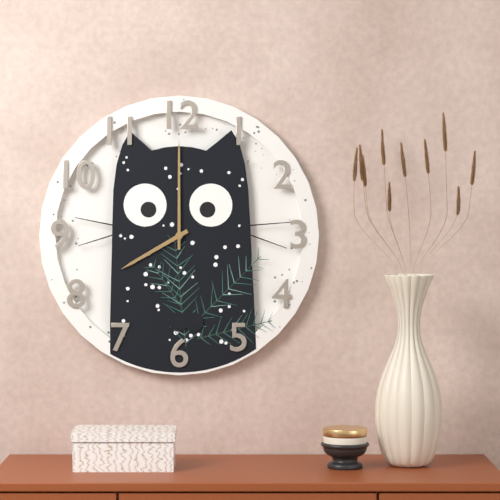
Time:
**8:00**
